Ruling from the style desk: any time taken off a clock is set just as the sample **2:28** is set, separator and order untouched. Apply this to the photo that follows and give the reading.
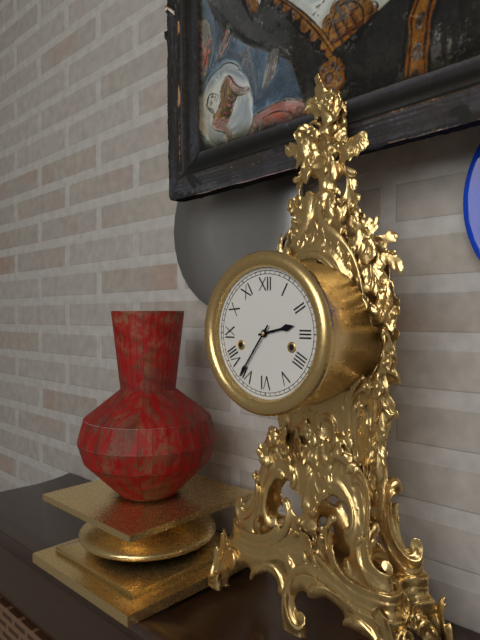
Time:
**2:36**
